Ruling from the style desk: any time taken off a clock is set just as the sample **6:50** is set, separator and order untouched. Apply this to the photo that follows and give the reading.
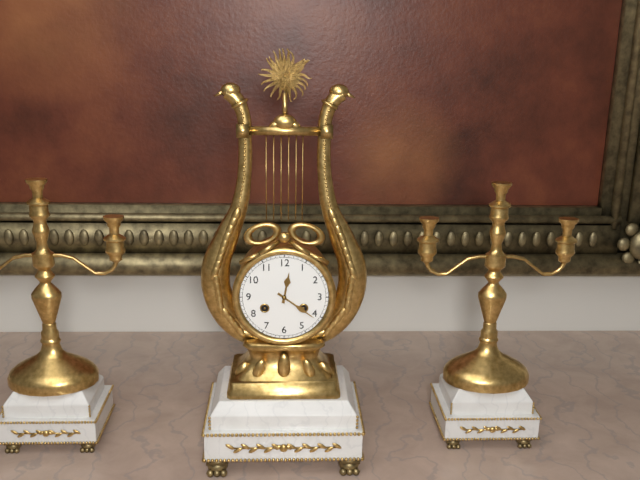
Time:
**12:21**
